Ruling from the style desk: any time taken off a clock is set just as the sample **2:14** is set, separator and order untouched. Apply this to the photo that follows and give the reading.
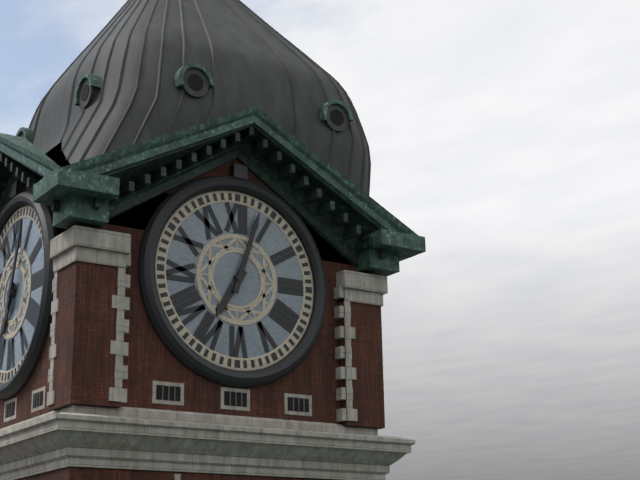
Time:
**7:03**
